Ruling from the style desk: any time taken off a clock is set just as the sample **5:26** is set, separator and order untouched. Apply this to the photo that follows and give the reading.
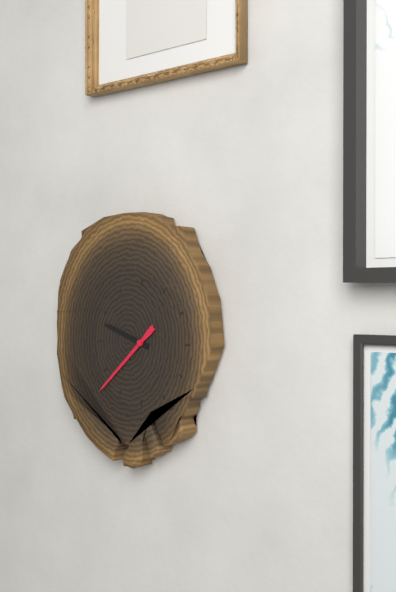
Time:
**9:38**
